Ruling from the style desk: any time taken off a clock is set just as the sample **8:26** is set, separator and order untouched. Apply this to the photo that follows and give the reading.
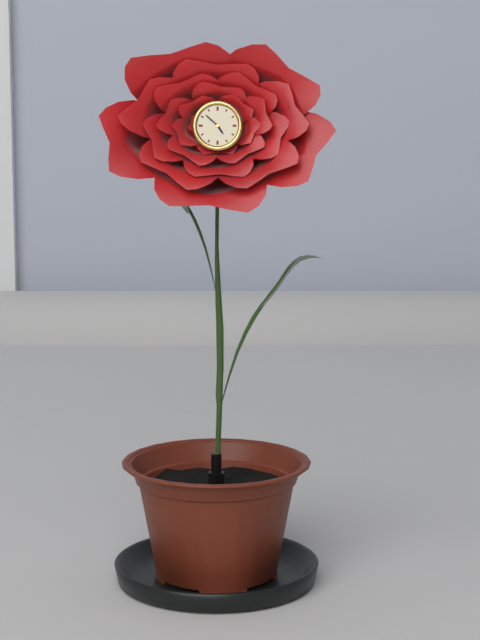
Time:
**4:52**
